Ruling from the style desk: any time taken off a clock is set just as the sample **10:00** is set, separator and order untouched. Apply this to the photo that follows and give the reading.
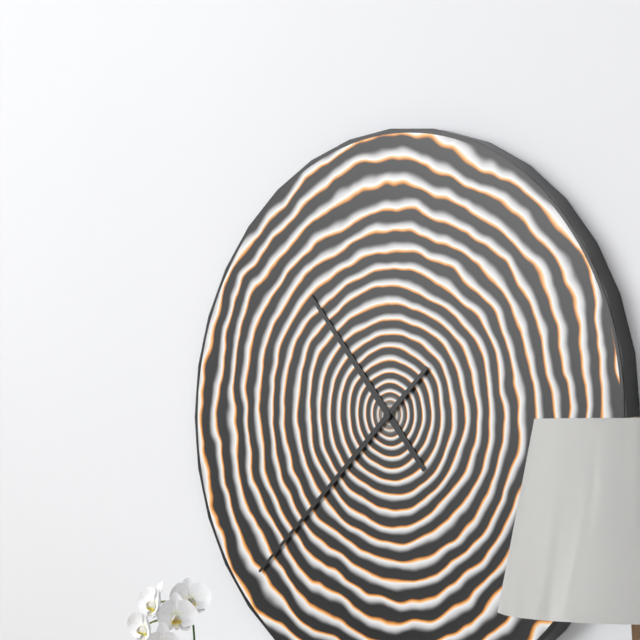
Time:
**10:38**
